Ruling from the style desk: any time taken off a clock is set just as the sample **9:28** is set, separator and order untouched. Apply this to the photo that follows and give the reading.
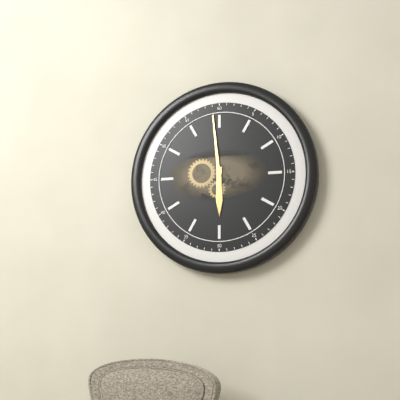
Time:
**5:59**
